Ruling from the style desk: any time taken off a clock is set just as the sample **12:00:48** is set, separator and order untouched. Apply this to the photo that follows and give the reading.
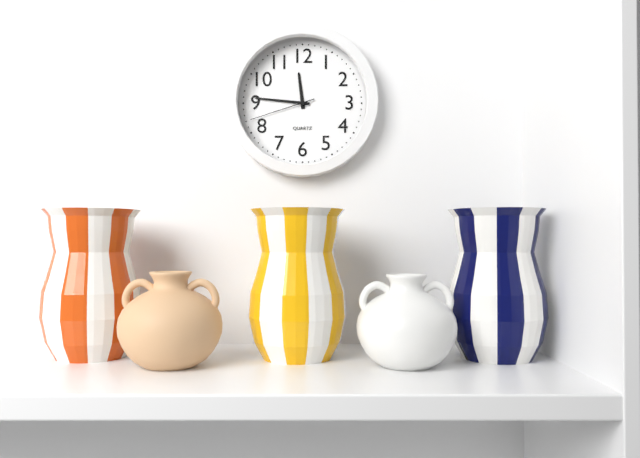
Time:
**11:46:42**
